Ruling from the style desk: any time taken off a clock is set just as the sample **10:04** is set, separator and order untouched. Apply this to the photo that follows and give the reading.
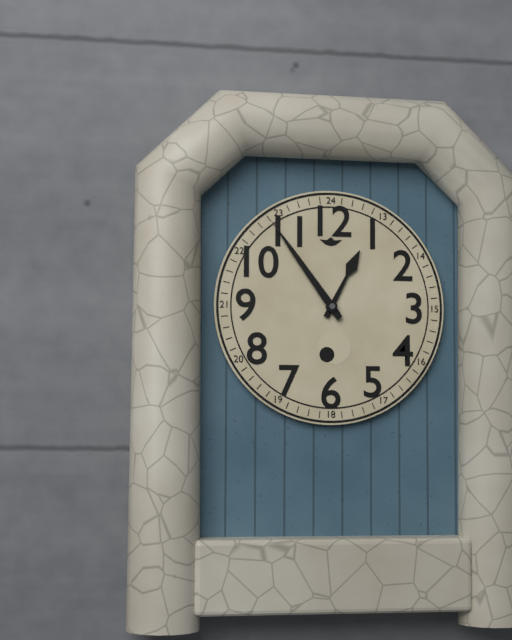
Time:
**12:54**
